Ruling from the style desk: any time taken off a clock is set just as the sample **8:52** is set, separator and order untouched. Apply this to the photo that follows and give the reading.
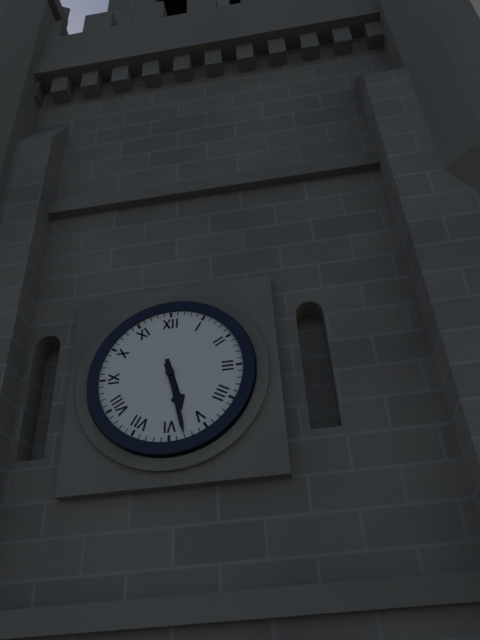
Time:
**5:28**
